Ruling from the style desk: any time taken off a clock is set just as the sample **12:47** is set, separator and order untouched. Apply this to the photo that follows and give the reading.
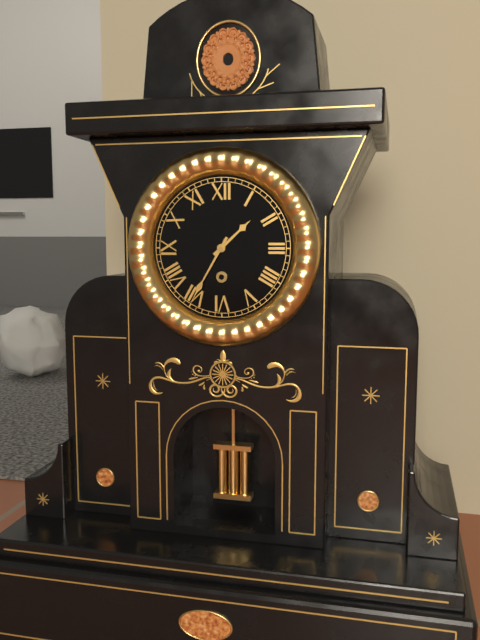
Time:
**1:35**
